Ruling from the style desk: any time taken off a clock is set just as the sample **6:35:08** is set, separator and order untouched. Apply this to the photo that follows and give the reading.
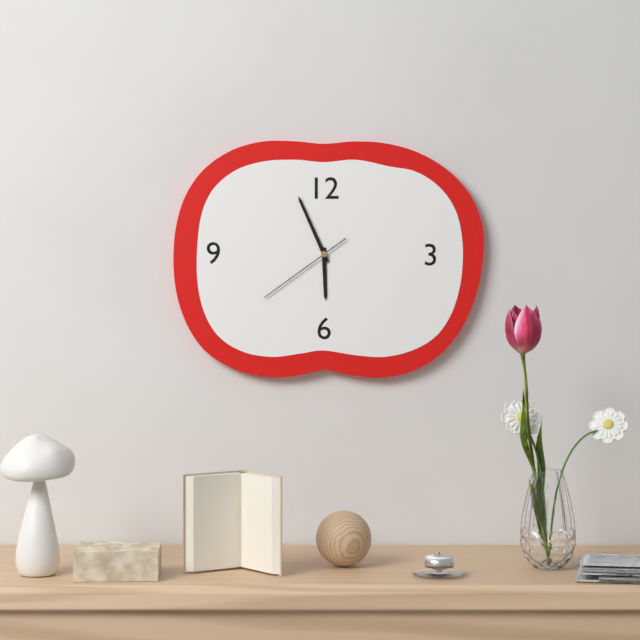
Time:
**5:56:39**
